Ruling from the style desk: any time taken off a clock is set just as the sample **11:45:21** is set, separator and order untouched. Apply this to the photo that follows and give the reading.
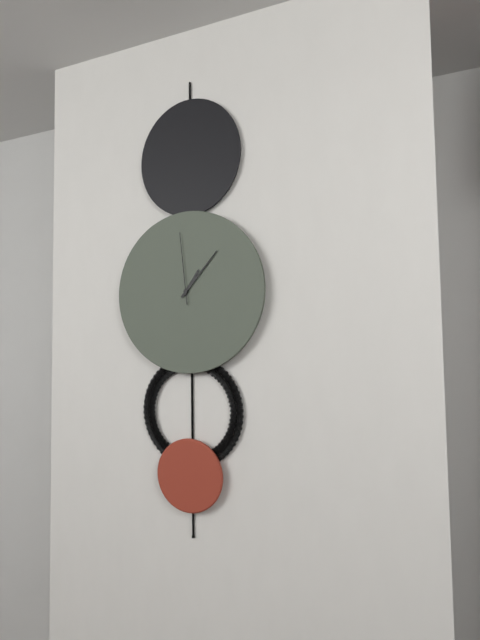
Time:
**1:07:59**
